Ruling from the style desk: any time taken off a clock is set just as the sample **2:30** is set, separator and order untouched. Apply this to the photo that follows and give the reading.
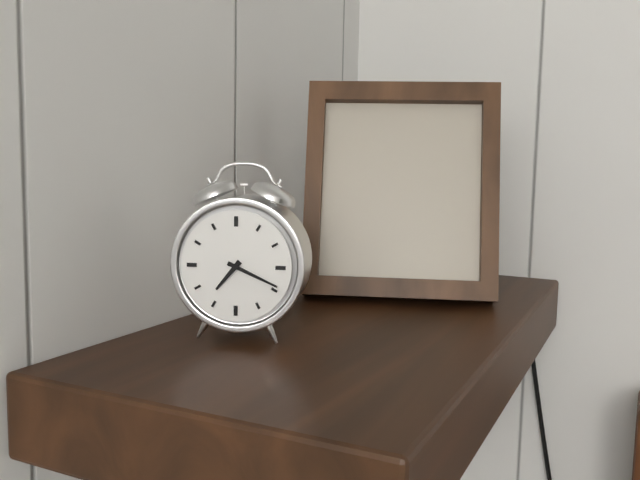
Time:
**7:19**
